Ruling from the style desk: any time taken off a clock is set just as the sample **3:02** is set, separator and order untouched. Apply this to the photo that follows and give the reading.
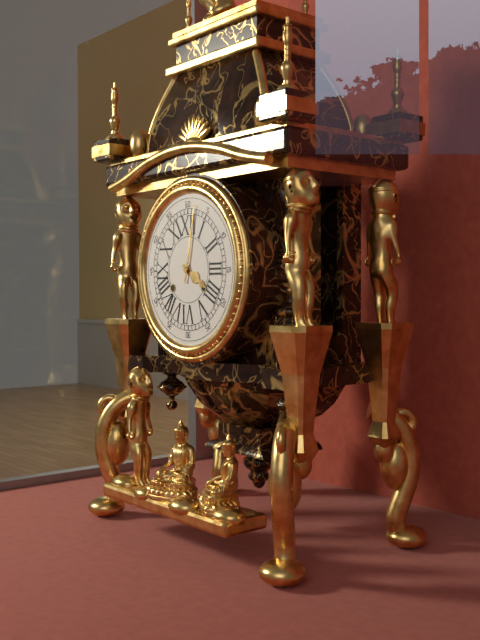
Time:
**4:02**
